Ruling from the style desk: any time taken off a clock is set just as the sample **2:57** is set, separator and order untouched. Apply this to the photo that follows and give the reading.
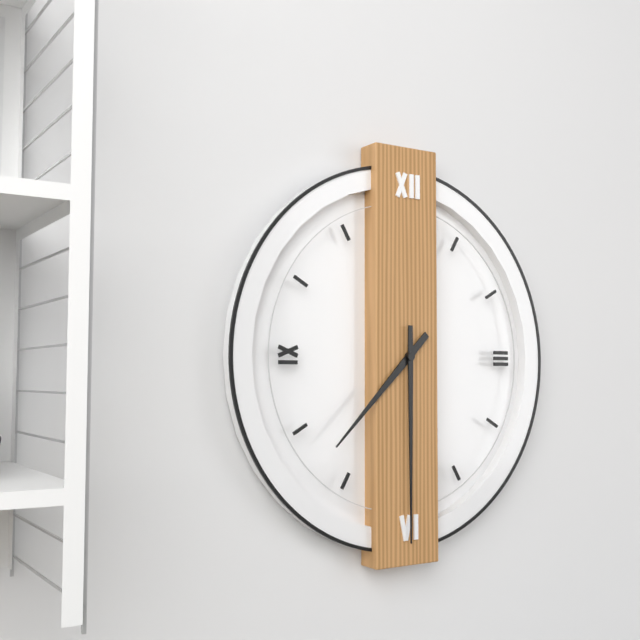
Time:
**7:30**
